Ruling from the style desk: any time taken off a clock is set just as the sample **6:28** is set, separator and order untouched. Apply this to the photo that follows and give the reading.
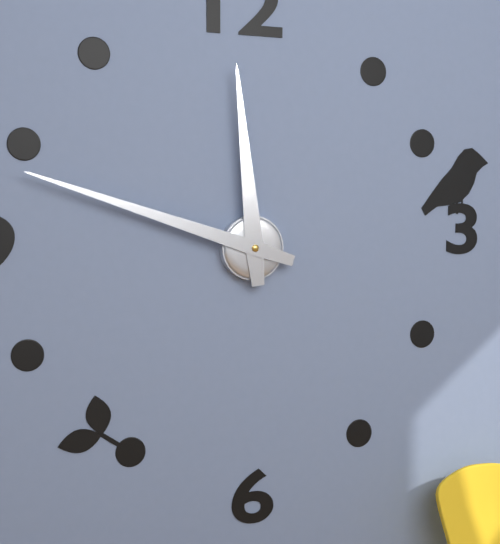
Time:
**11:48**
